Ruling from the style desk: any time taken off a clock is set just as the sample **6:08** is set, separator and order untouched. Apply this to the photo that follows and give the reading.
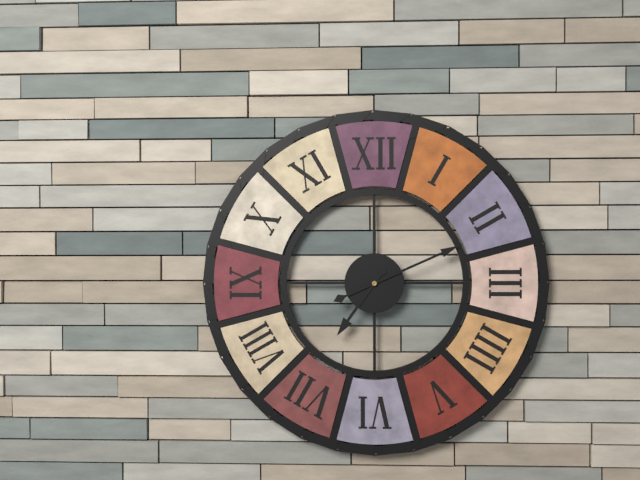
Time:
**7:11**
